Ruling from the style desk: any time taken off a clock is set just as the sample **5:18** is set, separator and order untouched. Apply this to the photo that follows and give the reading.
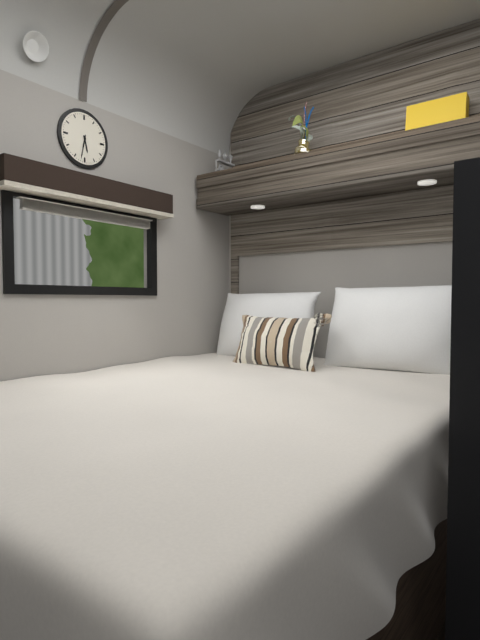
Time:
**5:32**
